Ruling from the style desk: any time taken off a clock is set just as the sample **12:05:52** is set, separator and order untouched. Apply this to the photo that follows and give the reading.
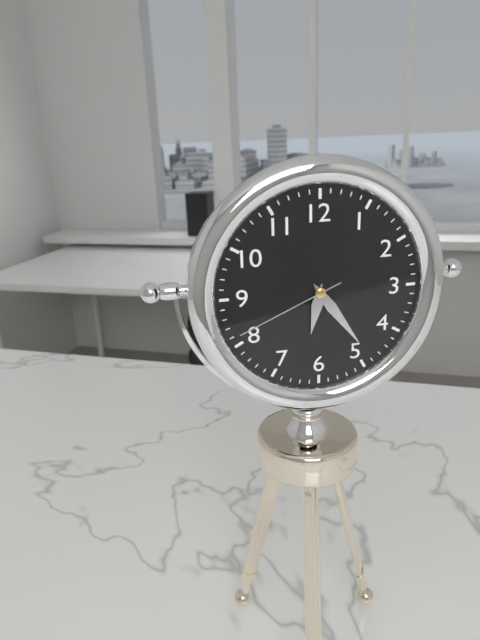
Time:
**6:24:41**
